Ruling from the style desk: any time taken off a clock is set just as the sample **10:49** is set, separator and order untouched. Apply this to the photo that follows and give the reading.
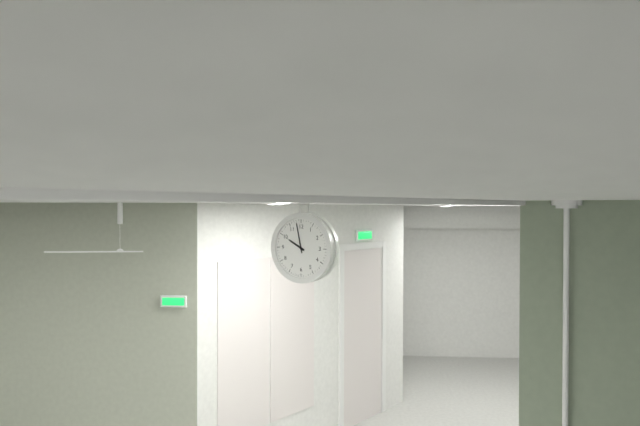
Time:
**9:58**
